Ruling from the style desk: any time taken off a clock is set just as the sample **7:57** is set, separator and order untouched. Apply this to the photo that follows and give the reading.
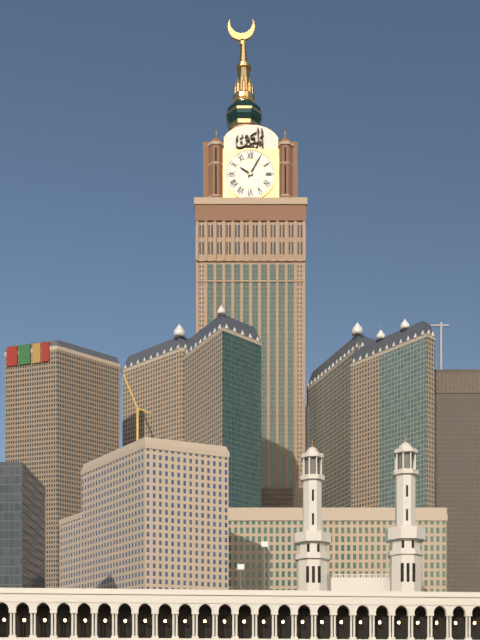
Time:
**10:05**
